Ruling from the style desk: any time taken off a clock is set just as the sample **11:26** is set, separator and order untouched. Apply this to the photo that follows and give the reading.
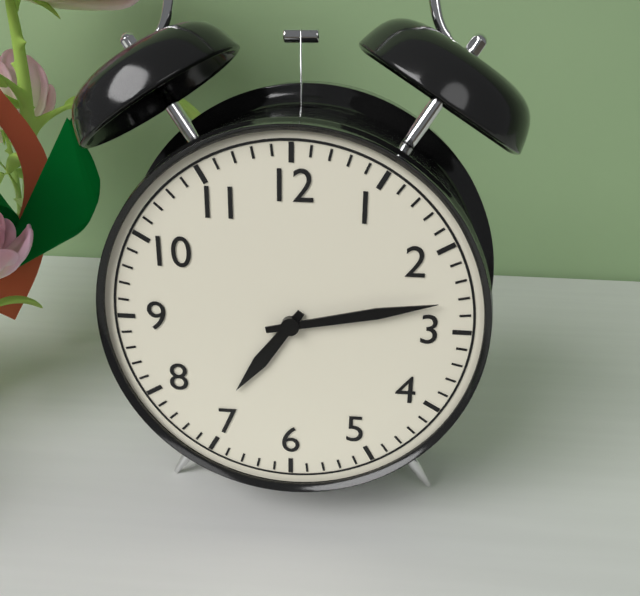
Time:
**7:13**
